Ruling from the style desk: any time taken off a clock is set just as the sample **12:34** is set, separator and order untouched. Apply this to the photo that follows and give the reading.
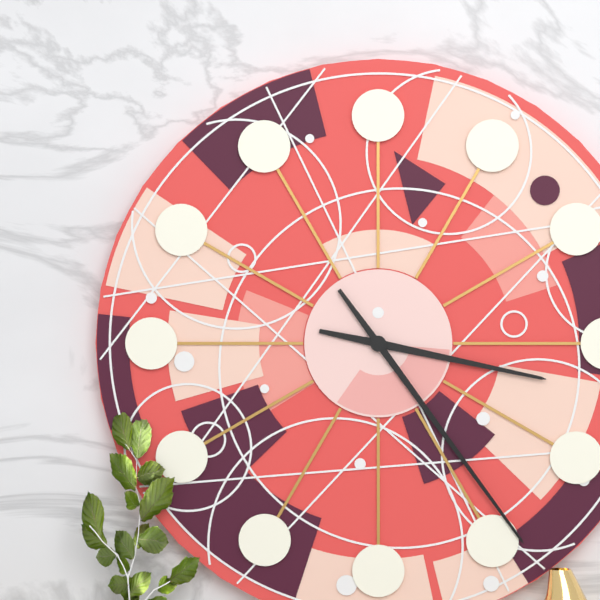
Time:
**3:24**
